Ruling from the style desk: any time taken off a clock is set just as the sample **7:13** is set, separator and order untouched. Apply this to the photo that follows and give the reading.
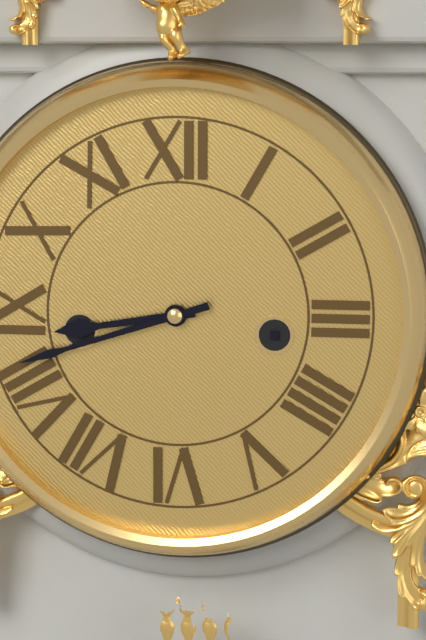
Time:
**8:42**
